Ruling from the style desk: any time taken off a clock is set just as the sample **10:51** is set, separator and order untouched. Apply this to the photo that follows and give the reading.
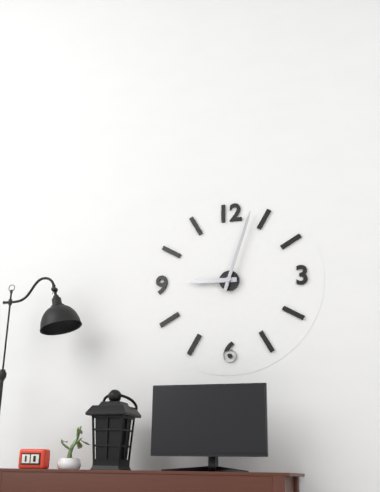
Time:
**9:03**
